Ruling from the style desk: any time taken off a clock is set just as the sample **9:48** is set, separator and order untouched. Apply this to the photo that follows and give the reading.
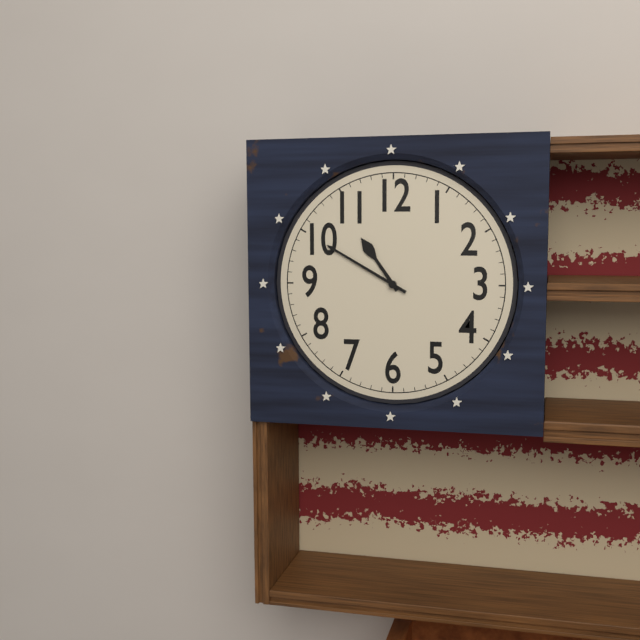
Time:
**10:50**
